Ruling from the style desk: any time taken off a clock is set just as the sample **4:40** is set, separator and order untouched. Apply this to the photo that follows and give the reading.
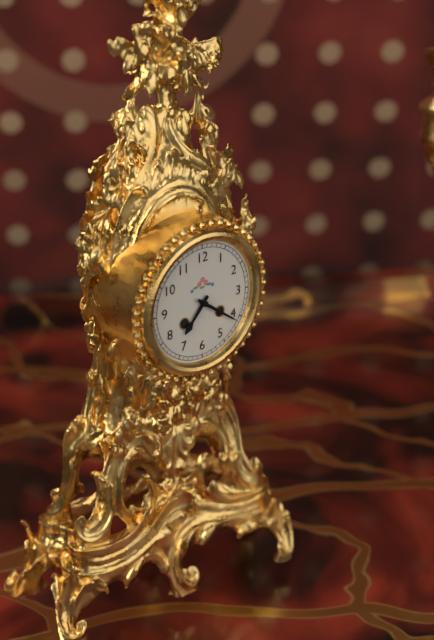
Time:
**7:21**
